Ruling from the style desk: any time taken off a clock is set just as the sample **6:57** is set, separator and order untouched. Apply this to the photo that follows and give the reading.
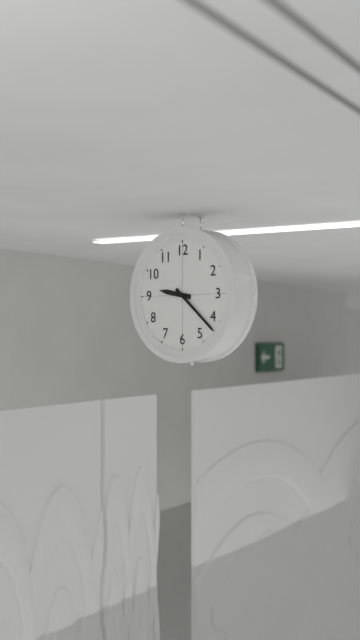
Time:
**9:22**
